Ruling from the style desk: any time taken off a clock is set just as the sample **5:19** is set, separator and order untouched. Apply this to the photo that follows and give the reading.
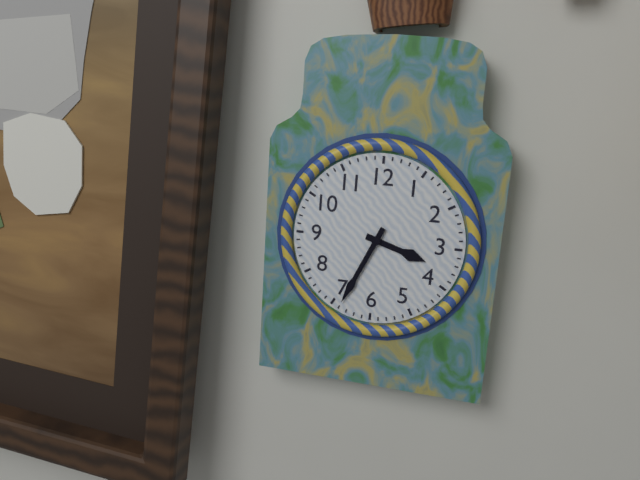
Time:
**3:34**
